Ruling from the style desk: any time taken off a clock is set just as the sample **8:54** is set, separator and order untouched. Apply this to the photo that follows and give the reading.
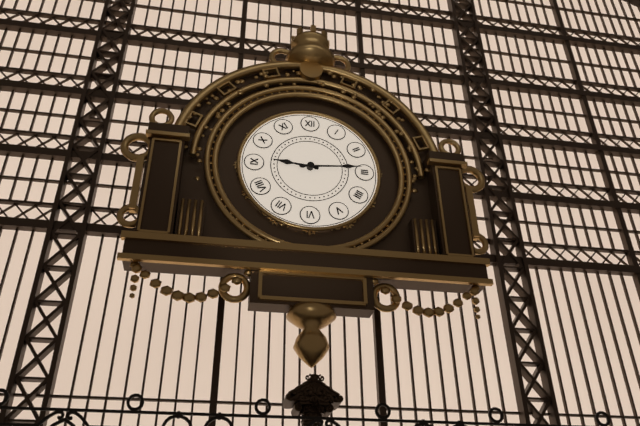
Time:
**9:14**
